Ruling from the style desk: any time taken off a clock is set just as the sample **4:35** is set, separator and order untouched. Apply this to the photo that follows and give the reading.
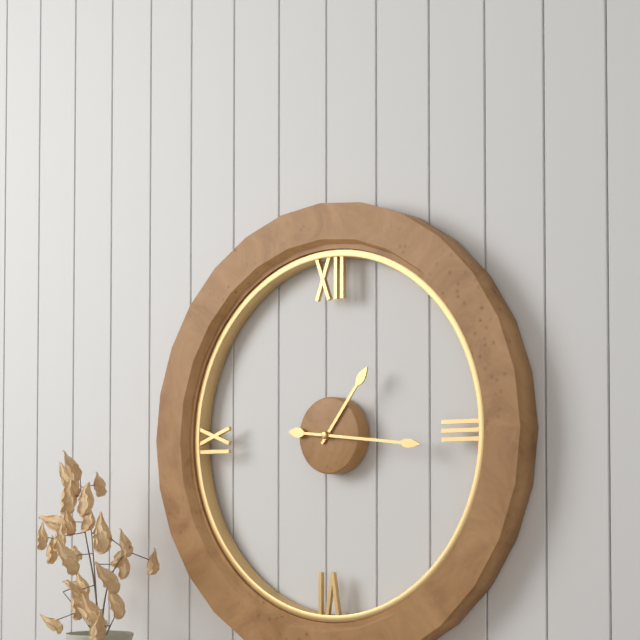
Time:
**1:16**
